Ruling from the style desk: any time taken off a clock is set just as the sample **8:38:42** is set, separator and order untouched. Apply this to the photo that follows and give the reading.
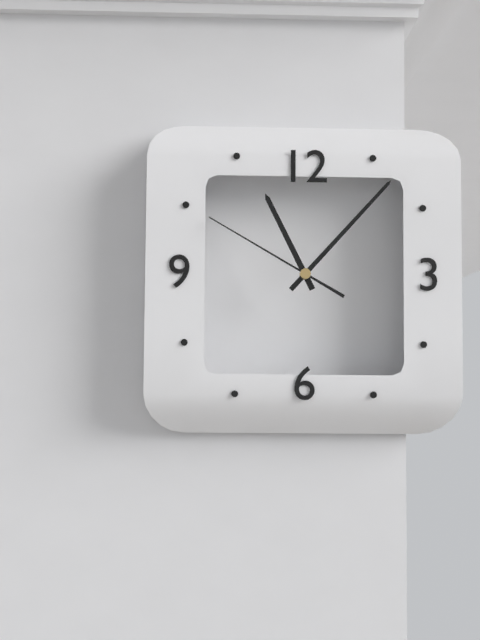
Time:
**11:07:50**
